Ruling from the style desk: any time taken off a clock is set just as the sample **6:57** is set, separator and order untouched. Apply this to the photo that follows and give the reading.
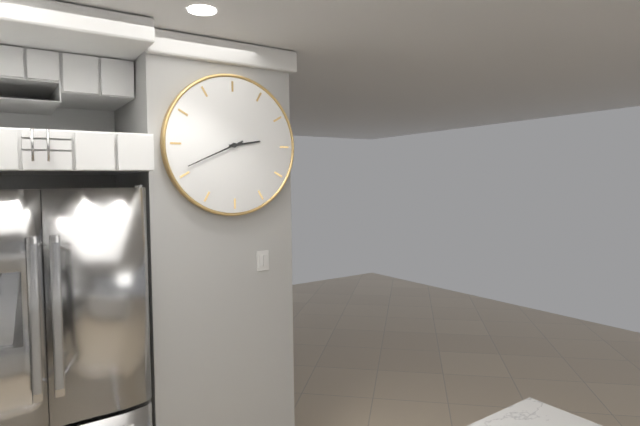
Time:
**2:41**
